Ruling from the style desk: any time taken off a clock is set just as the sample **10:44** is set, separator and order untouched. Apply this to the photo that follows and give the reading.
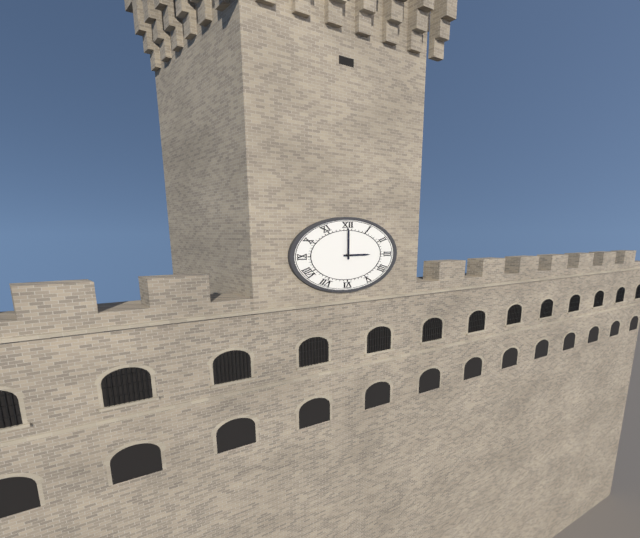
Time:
**3:00**
